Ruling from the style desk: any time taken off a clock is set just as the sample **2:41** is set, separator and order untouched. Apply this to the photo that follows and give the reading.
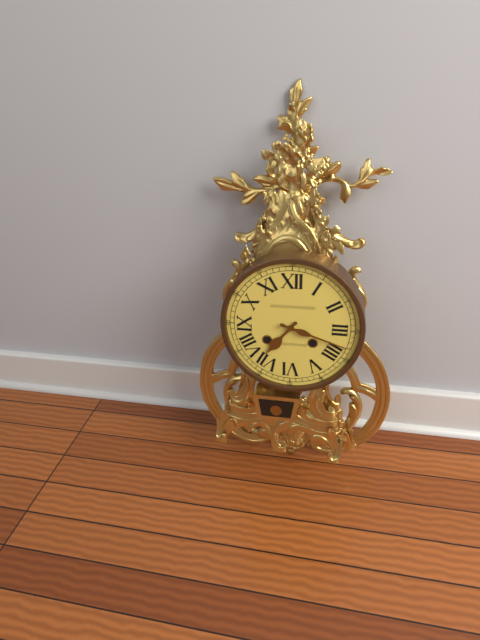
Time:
**7:18**
